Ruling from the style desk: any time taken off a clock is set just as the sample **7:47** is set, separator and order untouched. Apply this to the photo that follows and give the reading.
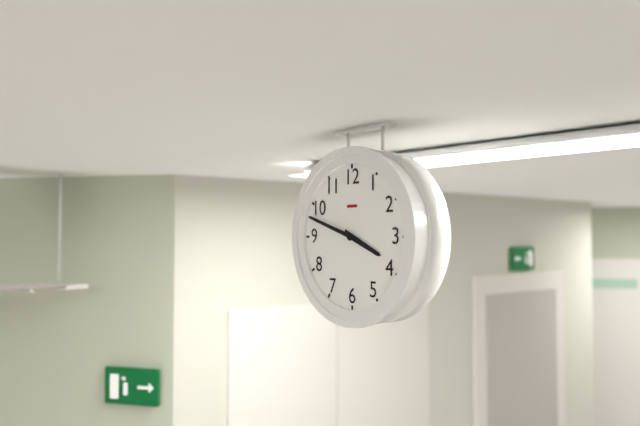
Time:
**3:48**
